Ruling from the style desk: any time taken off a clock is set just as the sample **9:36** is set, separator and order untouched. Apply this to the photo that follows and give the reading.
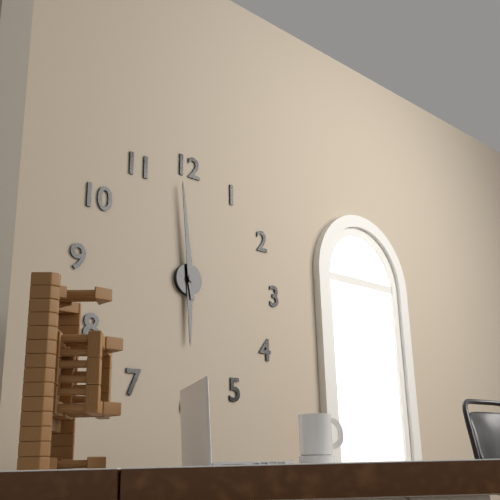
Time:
**5:59**
